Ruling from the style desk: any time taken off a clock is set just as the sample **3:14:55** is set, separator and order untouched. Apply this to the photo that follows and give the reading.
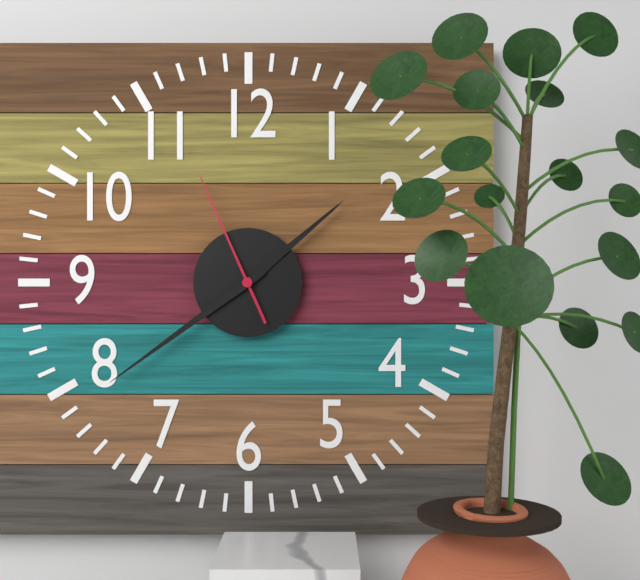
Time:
**1:39:56**
